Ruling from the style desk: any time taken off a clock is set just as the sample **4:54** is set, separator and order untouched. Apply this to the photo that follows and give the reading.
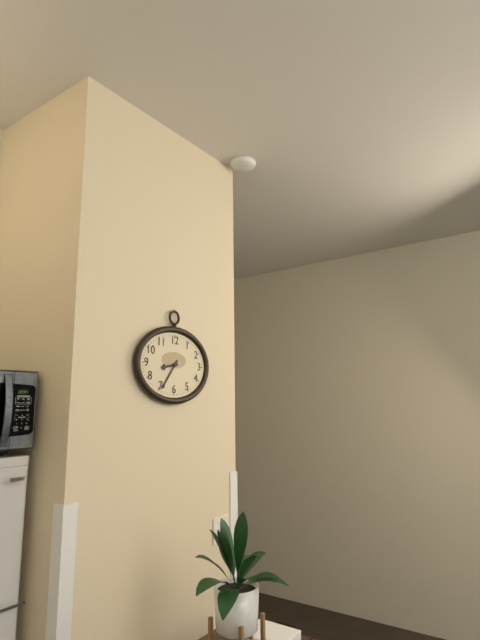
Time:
**8:36**
